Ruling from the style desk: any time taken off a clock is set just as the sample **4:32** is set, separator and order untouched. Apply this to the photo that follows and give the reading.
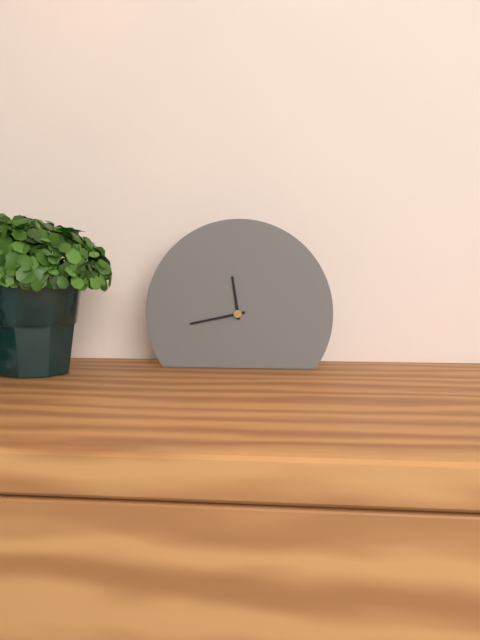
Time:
**11:43**
